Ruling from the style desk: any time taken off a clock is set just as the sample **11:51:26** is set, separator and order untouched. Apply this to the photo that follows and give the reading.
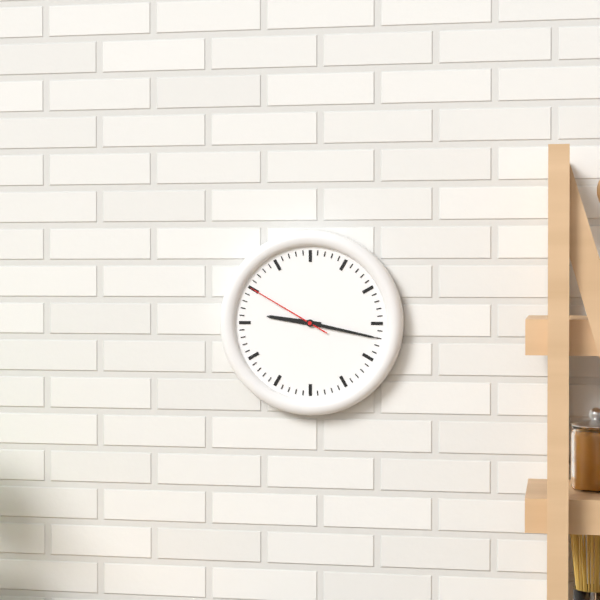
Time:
**9:17:50**
